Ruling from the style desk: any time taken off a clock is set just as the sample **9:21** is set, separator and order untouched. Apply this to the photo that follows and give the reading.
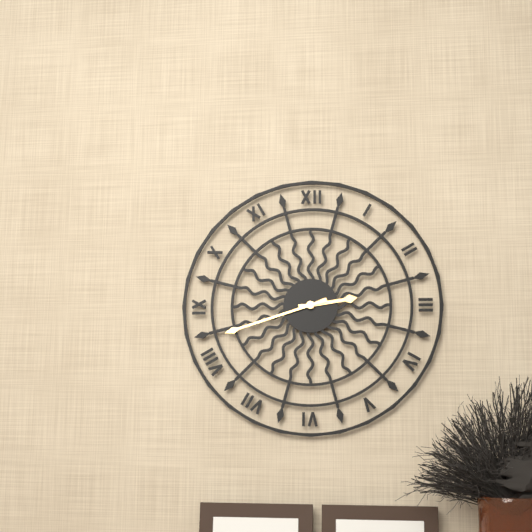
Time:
**2:42**
